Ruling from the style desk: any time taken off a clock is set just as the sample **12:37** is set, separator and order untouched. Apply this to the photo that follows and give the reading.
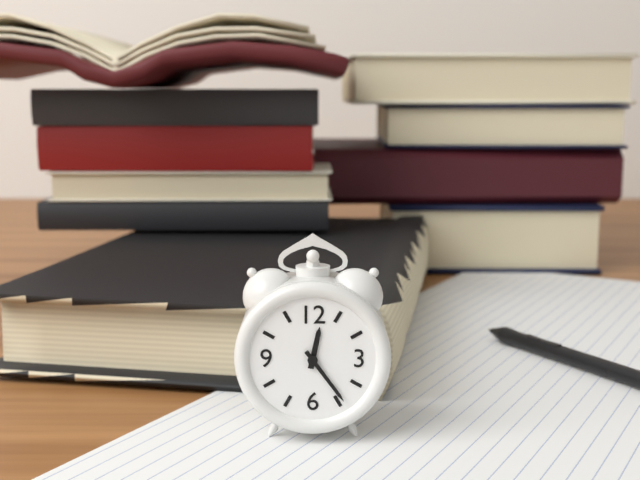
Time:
**12:24**
